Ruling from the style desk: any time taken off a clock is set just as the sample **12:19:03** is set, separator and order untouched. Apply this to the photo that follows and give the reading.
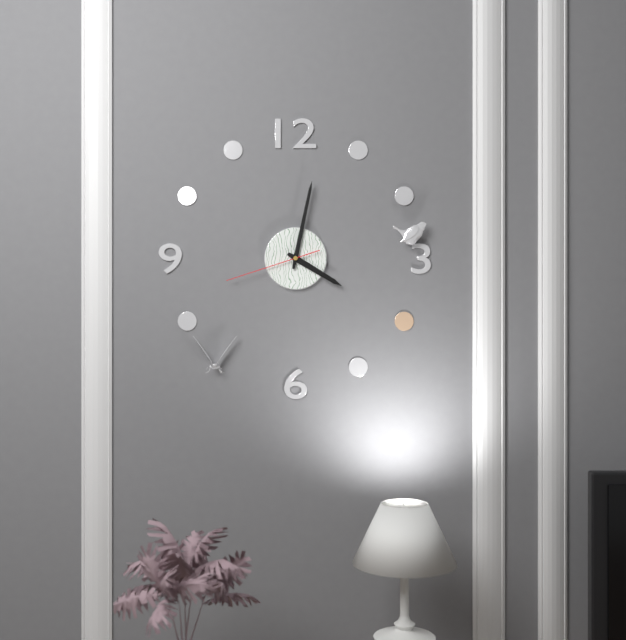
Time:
**4:02:42**
